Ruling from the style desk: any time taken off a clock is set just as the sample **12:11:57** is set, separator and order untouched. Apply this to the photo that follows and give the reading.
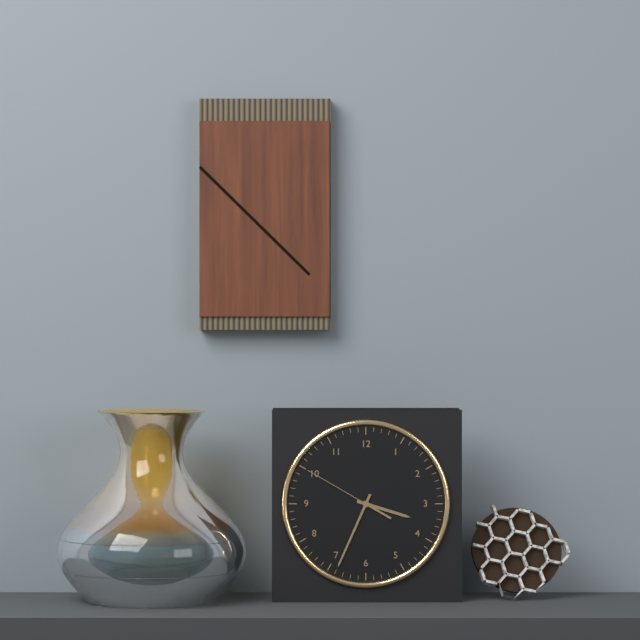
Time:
**3:34:50**
